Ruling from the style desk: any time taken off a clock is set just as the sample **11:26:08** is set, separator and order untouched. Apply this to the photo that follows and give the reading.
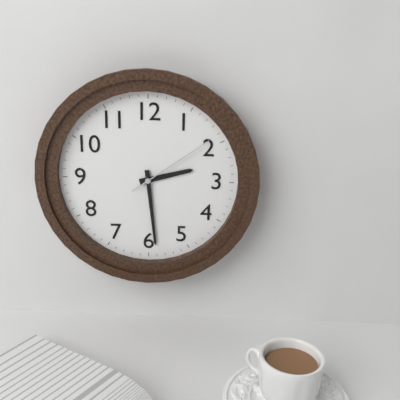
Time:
**2:29:09**
